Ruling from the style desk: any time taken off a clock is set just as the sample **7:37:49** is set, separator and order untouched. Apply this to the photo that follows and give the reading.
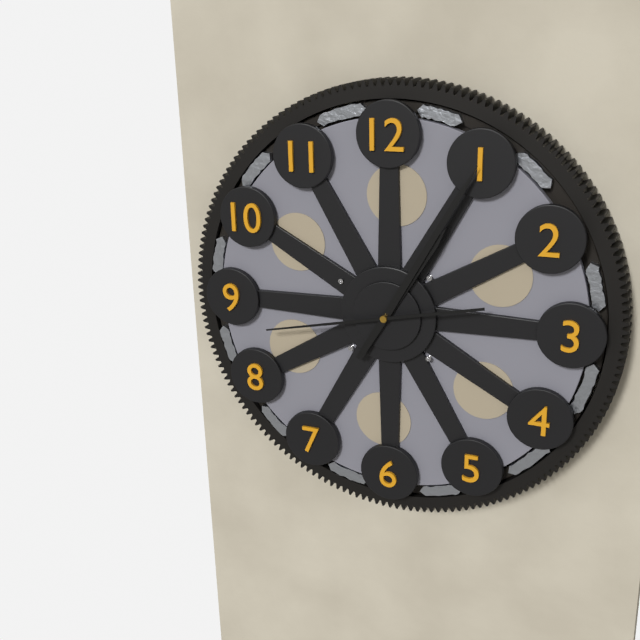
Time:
**1:05:43**
